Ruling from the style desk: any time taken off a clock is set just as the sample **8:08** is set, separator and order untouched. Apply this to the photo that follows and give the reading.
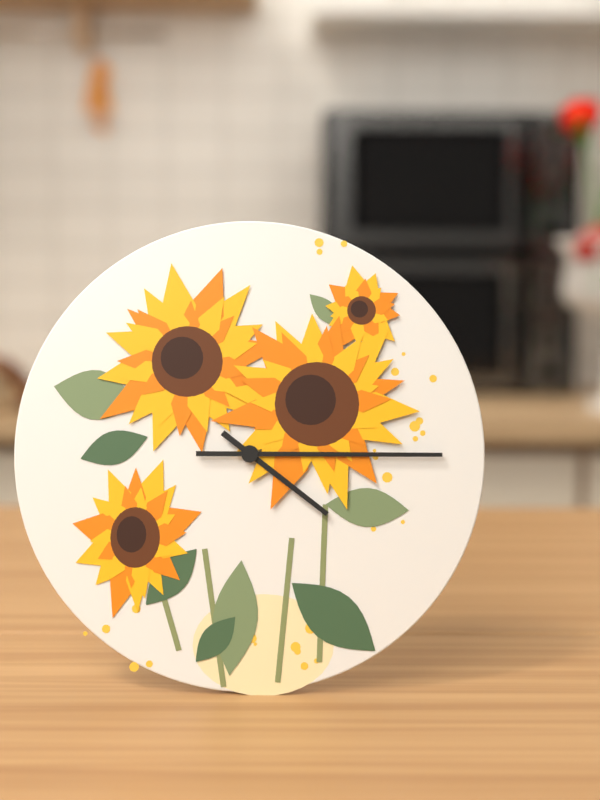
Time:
**4:15**
